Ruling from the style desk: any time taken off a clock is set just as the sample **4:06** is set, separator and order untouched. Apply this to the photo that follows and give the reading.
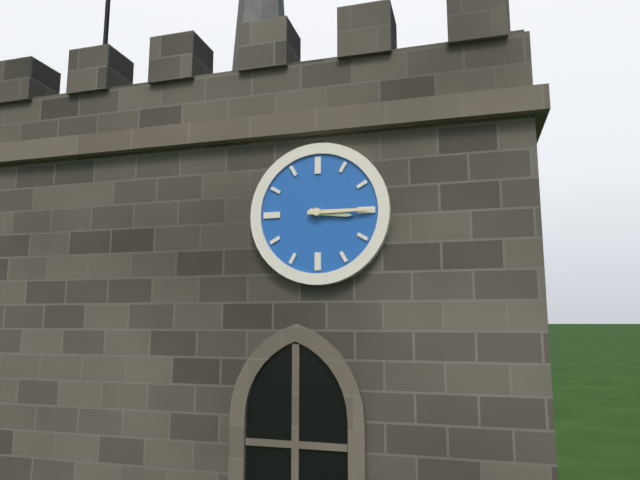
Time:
**3:15**
